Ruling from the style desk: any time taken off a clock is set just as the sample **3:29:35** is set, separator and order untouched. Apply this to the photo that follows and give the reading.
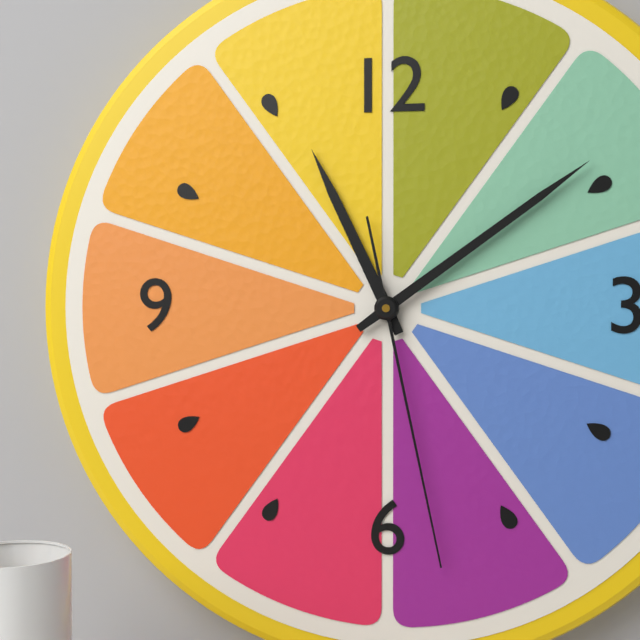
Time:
**11:09:28**
